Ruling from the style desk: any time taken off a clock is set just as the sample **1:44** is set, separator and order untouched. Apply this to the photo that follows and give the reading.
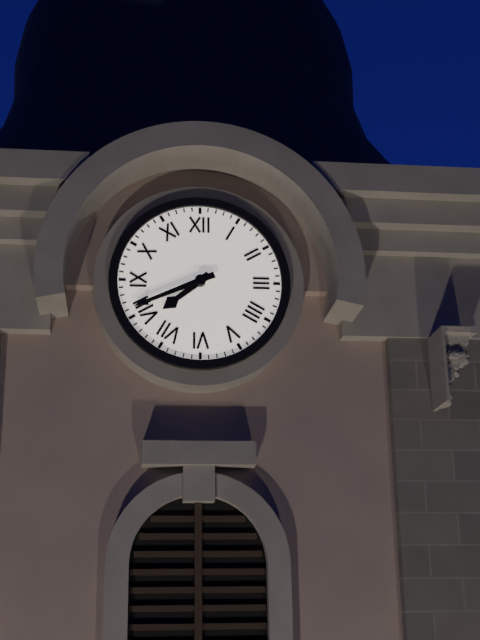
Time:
**7:41**
